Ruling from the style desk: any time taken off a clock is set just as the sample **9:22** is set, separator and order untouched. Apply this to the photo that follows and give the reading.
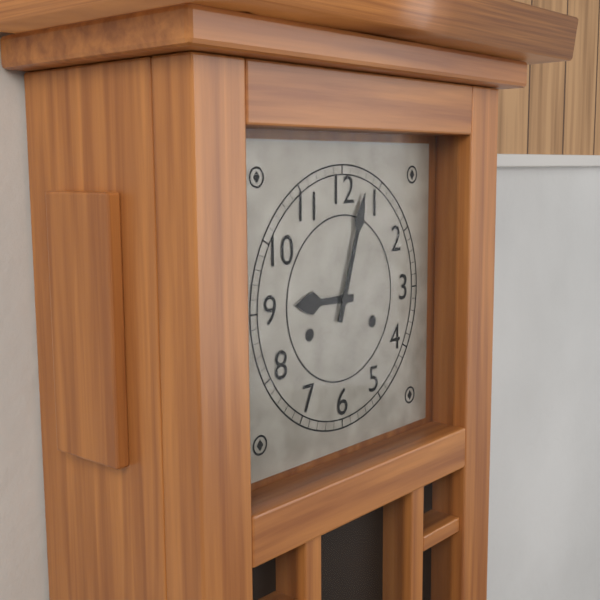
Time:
**9:03**
